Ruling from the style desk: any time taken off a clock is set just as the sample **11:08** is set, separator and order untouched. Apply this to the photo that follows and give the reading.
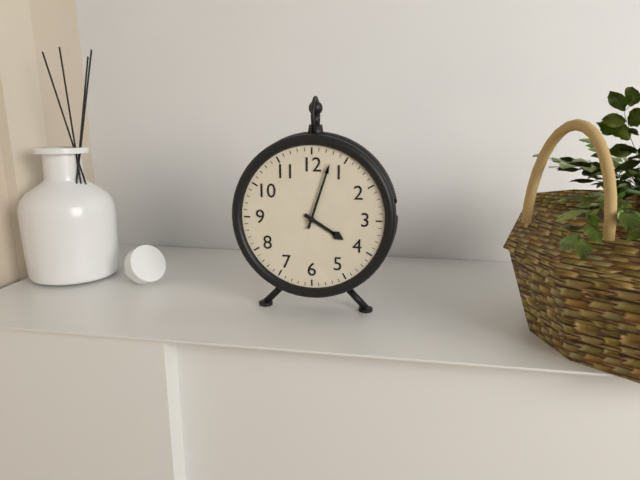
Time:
**4:03**
